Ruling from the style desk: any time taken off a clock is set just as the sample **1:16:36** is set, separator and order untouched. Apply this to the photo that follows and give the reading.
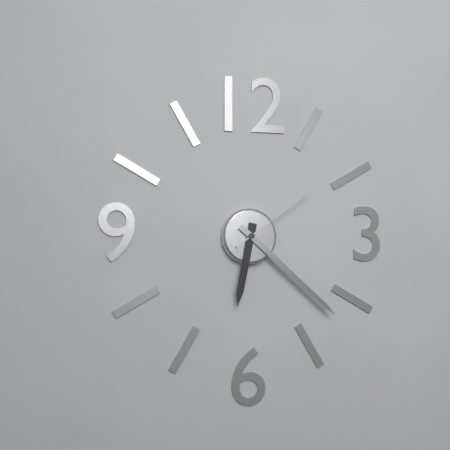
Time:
**6:22:09**
